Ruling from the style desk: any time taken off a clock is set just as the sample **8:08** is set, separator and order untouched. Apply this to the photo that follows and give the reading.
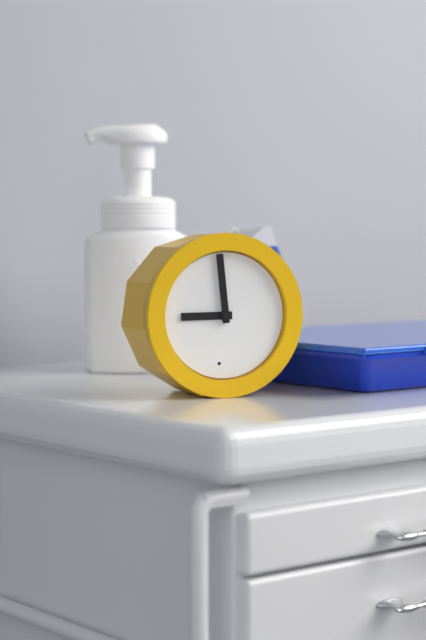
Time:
**8:59**
